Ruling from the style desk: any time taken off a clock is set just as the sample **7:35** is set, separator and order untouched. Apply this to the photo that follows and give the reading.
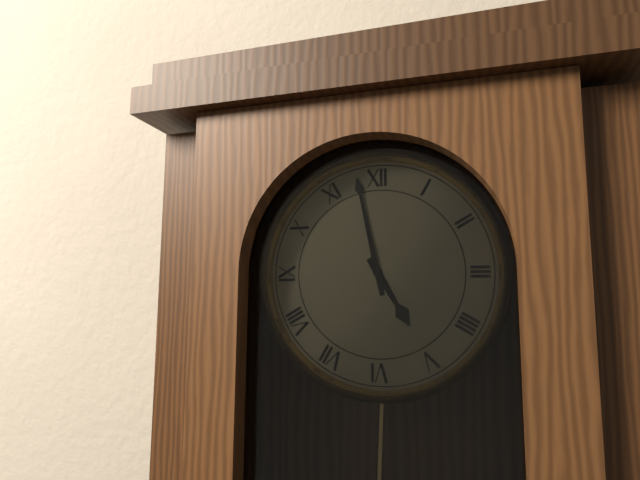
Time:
**4:58**
